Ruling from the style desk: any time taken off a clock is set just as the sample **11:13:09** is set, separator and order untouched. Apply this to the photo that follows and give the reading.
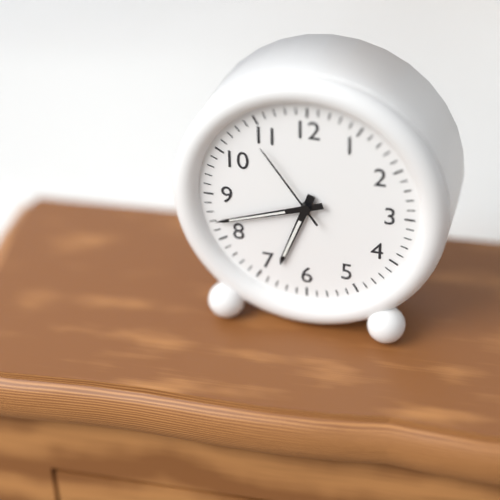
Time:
**6:42:54**
